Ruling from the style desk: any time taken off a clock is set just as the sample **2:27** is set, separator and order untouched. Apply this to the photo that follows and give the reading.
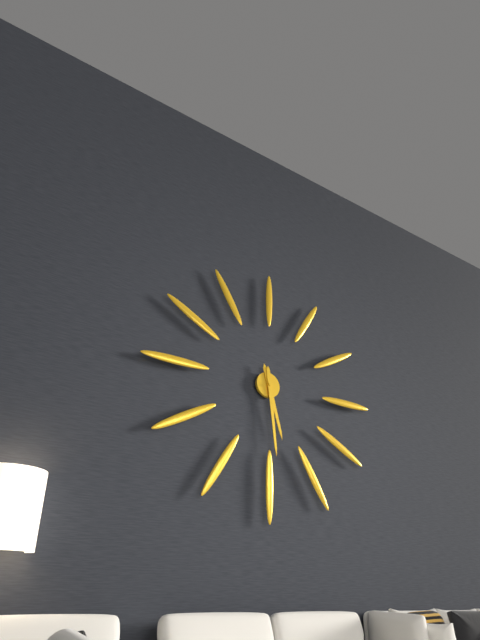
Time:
**5:29**
